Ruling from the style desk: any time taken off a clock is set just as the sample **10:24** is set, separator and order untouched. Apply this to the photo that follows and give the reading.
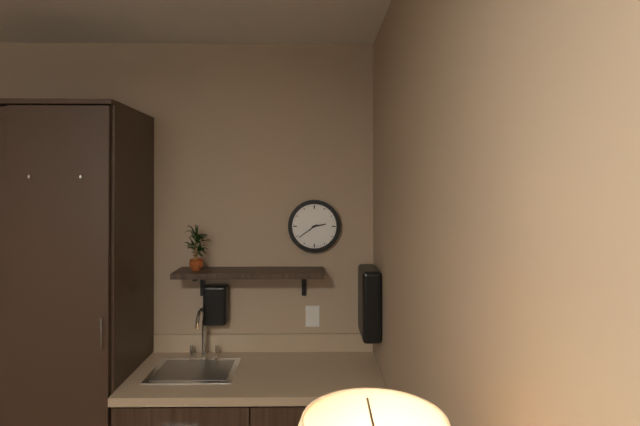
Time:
**2:39**
